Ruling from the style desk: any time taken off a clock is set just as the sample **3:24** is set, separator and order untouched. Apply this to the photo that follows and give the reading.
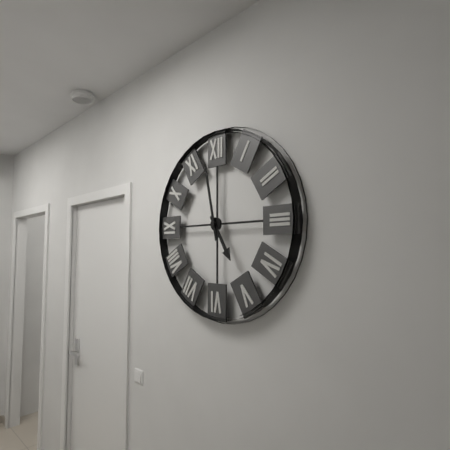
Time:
**4:58**
